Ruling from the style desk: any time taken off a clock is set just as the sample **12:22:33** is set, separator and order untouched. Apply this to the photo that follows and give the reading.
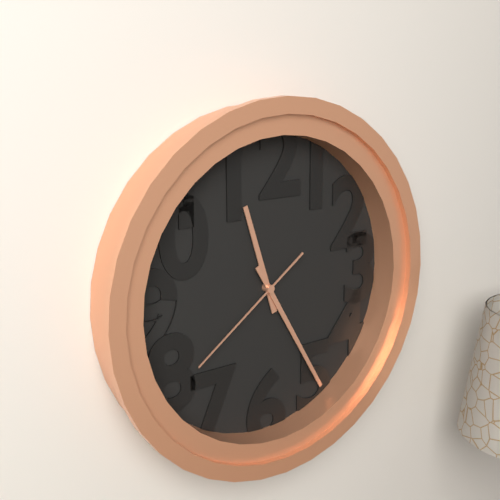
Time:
**11:25:39**
